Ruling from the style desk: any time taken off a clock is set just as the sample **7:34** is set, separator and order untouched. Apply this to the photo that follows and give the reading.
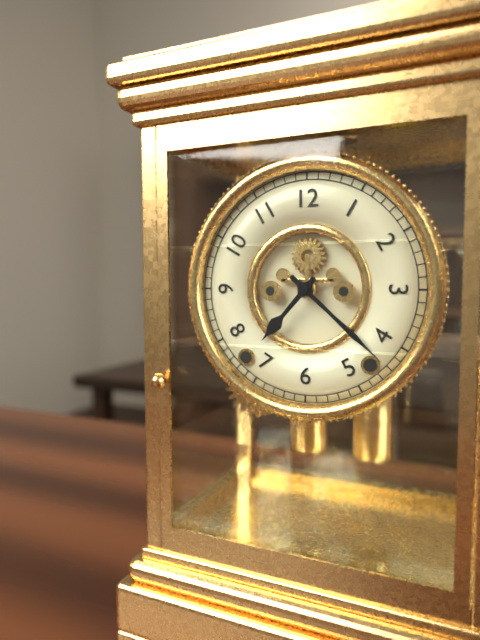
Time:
**7:22**
